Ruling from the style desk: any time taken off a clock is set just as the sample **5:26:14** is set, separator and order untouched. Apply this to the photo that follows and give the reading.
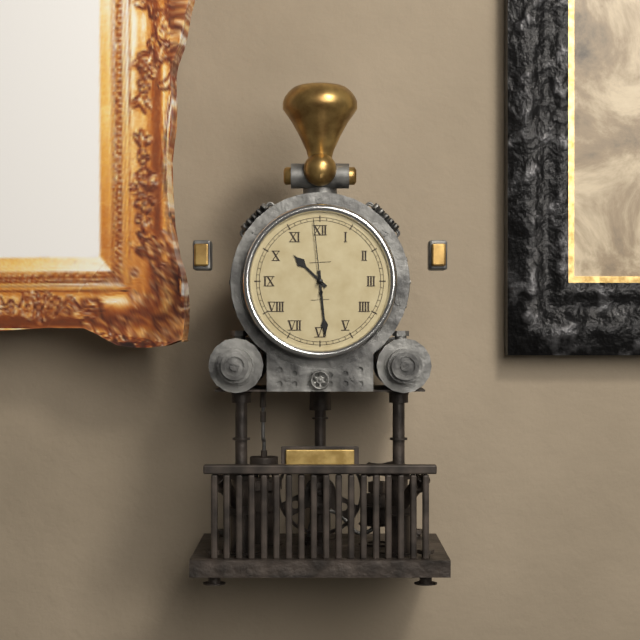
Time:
**10:29:59**
